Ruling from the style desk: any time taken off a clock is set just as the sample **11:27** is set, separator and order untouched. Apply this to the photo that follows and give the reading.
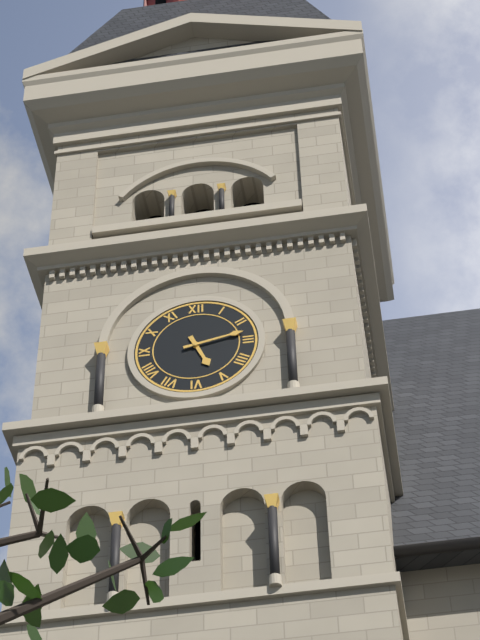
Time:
**5:13**
